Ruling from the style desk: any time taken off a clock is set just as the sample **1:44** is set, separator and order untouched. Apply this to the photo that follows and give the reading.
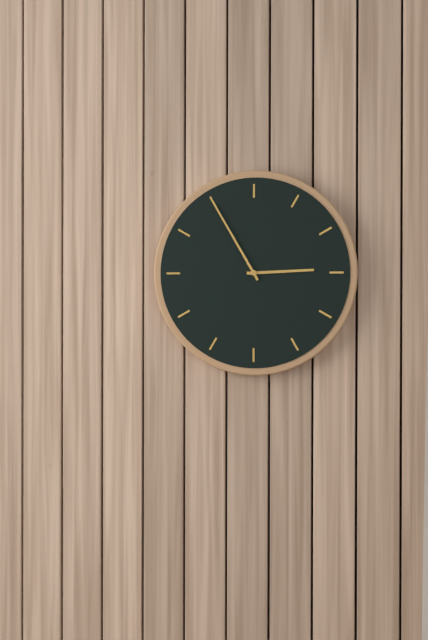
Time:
**2:55**
